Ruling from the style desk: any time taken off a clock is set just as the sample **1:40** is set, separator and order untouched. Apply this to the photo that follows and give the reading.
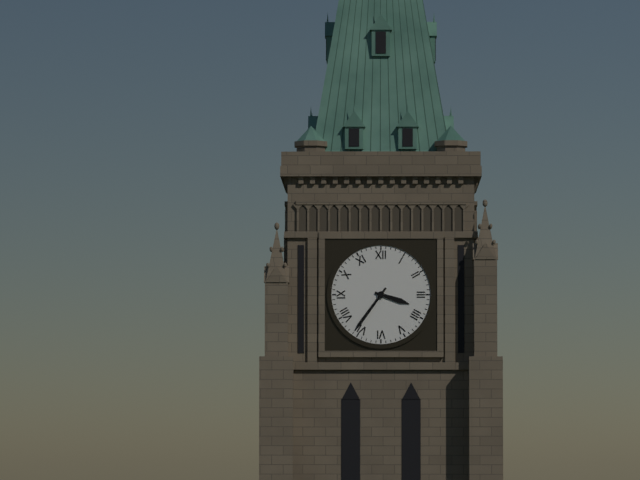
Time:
**3:36**
